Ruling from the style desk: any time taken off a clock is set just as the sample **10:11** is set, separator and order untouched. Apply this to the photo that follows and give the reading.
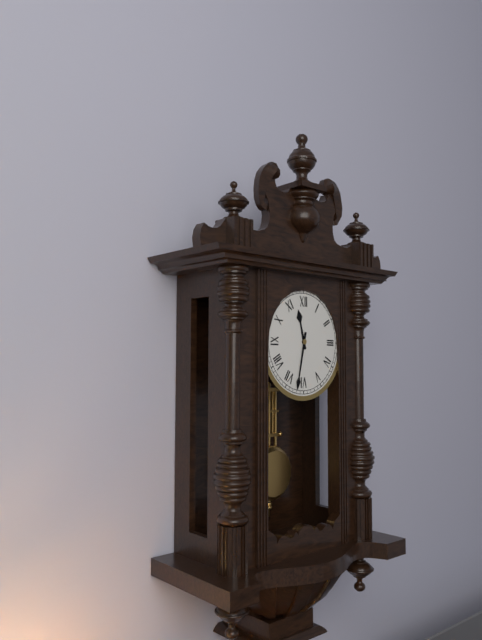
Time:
**11:32**
